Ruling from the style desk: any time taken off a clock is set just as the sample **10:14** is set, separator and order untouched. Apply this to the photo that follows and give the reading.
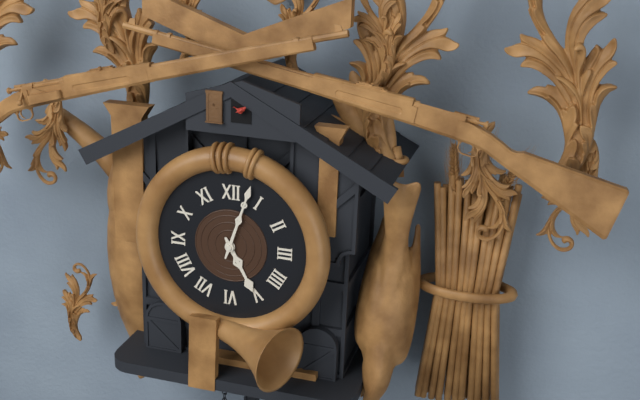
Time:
**5:03**
